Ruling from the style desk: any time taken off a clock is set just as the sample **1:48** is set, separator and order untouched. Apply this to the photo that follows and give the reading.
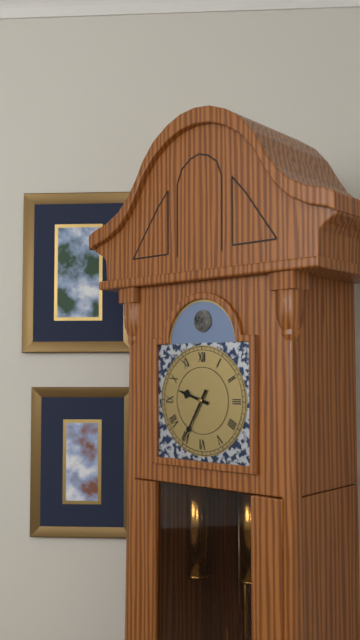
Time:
**9:35**
